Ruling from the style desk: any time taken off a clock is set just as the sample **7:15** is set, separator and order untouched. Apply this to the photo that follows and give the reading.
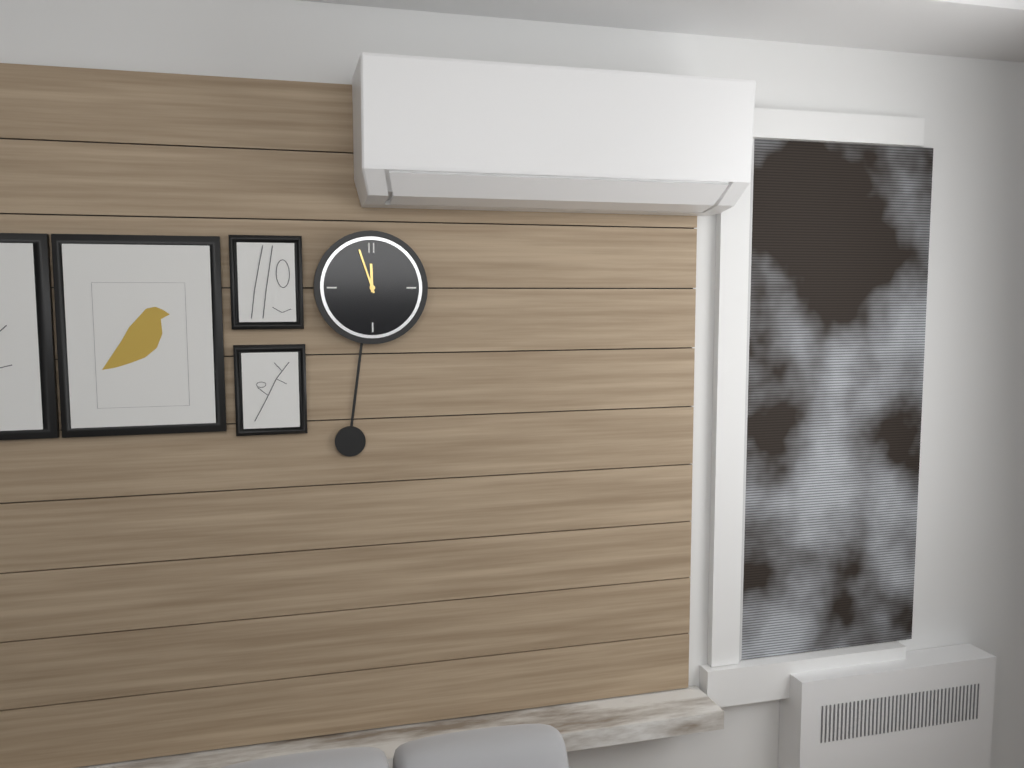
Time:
**11:57**
